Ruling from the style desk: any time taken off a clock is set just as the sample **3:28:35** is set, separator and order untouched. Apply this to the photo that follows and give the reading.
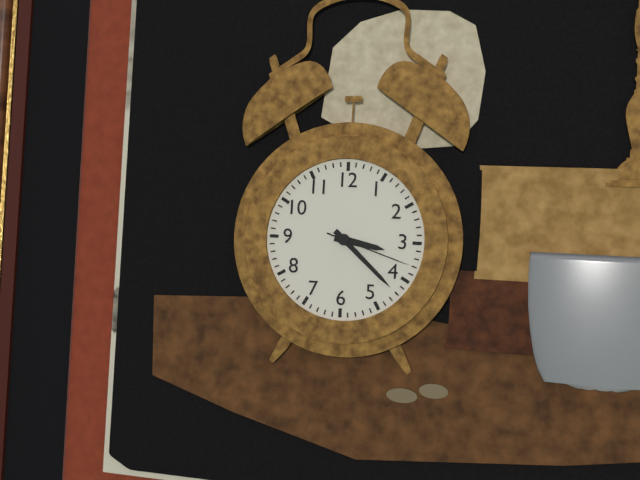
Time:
**3:22:18**
